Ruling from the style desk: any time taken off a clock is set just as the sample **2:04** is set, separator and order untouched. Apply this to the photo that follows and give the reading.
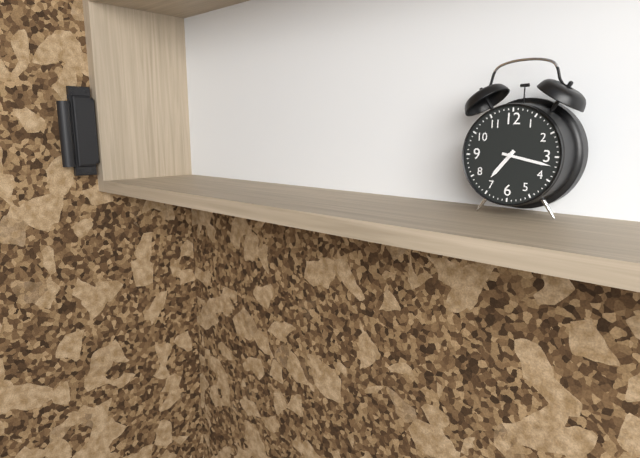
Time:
**7:17**
